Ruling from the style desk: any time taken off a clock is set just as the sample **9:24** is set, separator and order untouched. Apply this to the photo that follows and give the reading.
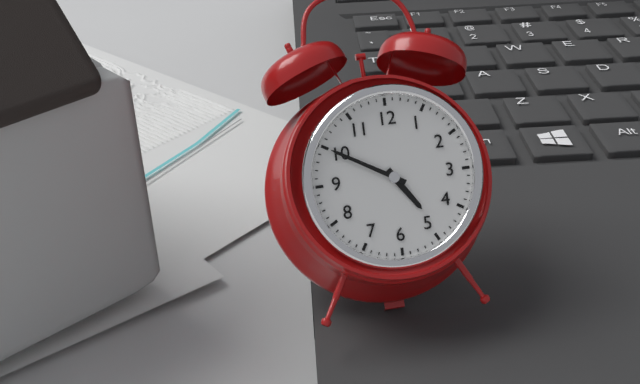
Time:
**4:50**
